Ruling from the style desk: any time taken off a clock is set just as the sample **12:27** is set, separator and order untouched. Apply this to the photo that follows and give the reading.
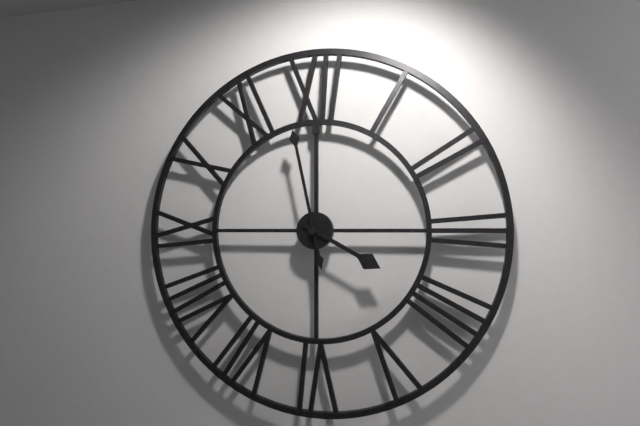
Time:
**3:58**
